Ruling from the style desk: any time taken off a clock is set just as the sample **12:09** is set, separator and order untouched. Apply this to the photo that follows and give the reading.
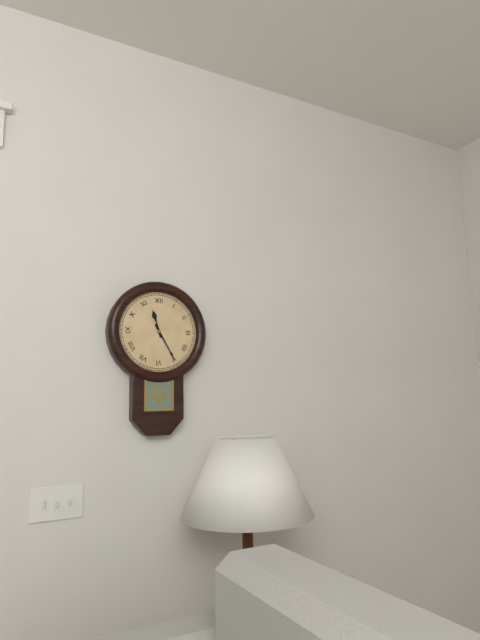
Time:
**11:25**
